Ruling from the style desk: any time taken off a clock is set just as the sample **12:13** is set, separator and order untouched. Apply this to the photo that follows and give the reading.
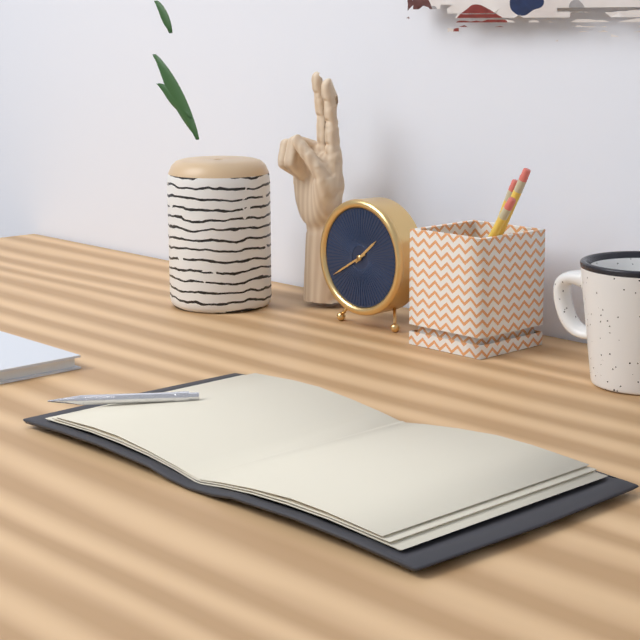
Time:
**1:40**
